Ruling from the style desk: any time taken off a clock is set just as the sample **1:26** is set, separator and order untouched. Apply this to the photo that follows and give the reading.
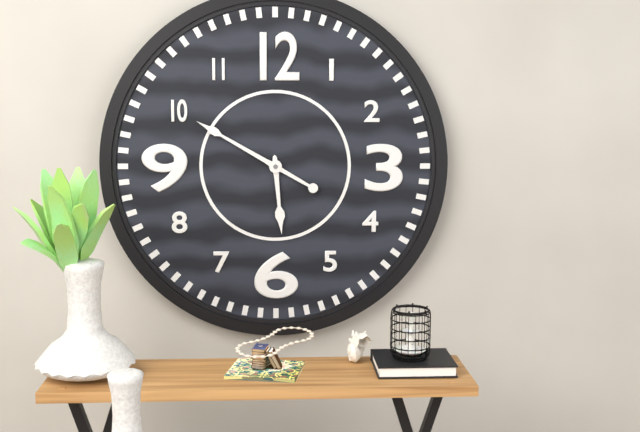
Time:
**5:50**
